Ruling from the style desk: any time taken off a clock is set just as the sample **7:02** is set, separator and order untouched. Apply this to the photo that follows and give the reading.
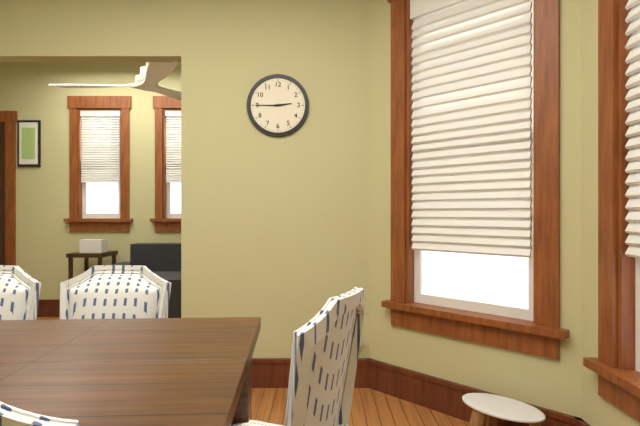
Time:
**2:45**
